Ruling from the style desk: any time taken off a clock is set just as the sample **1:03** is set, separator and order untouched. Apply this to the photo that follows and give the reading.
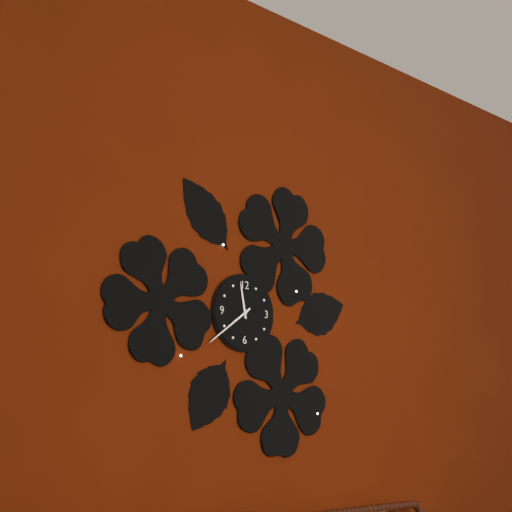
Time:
**11:39**
